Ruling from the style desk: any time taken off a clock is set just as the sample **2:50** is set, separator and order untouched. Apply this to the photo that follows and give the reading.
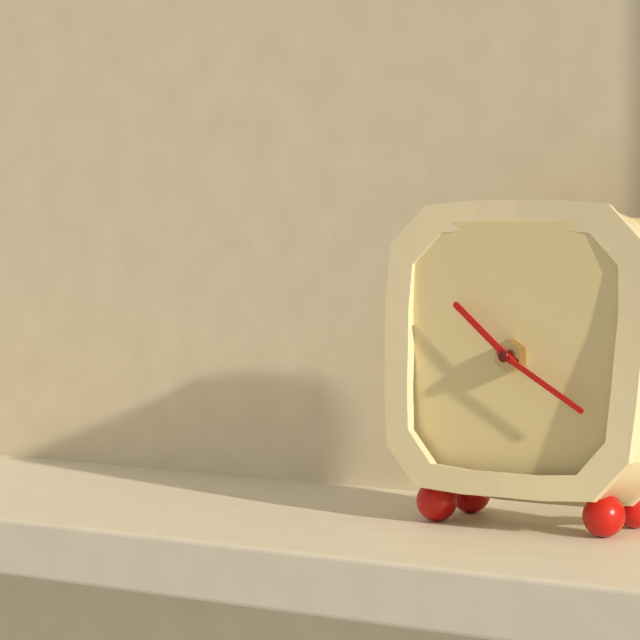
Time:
**10:20**
